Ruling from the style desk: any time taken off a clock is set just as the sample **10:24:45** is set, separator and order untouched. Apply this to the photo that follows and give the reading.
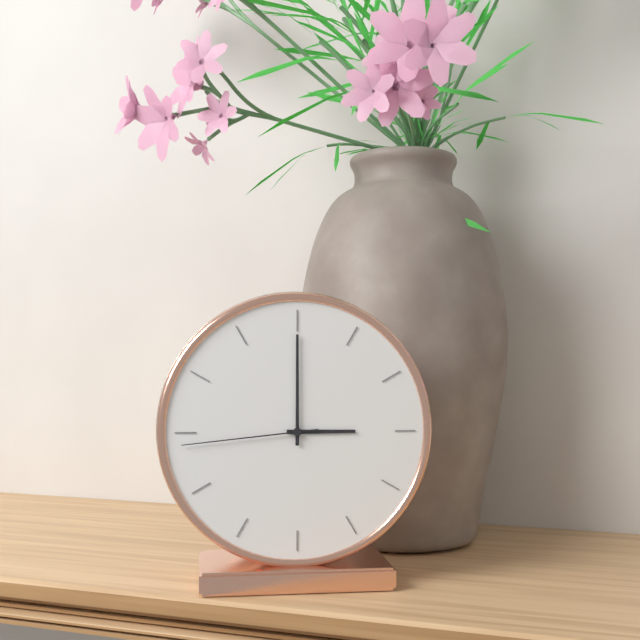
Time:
**3:00:44**
